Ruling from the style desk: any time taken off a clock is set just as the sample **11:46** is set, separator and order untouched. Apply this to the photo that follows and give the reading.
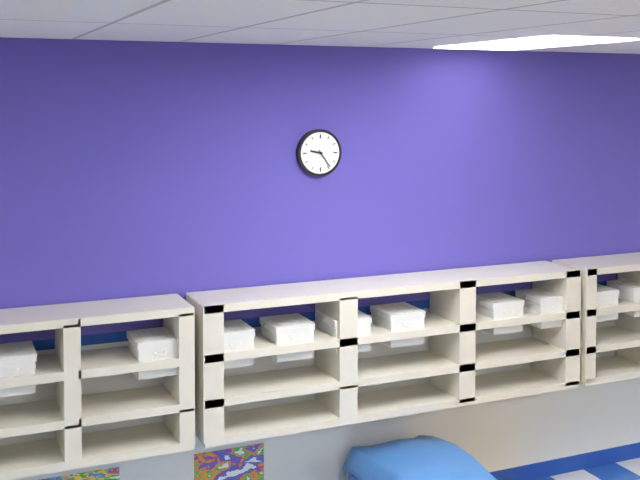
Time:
**9:24**
